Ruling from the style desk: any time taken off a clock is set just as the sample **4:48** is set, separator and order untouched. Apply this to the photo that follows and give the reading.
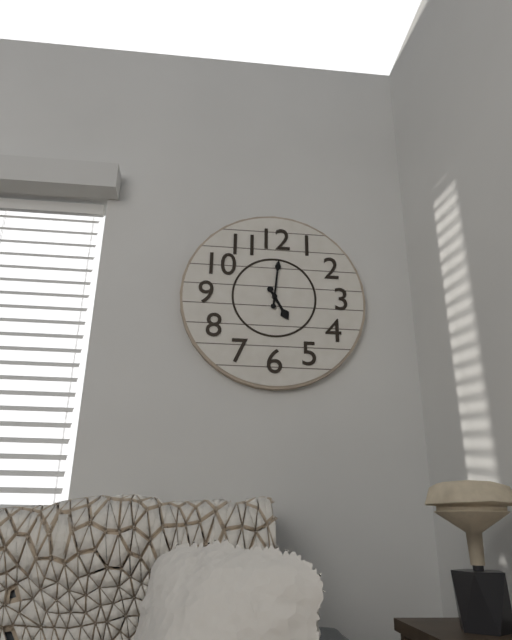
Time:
**5:01**
